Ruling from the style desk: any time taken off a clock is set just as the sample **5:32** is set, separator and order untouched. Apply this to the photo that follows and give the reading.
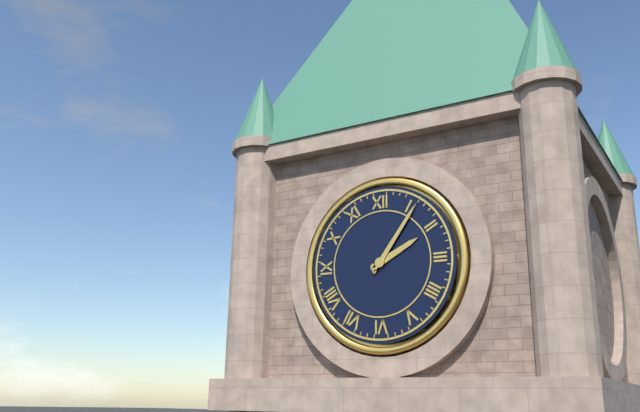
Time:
**2:06**
